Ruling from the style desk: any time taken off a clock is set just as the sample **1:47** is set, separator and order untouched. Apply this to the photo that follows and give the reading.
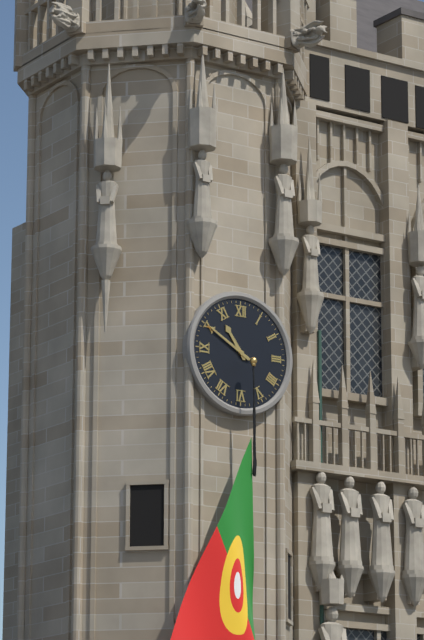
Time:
**10:50**
